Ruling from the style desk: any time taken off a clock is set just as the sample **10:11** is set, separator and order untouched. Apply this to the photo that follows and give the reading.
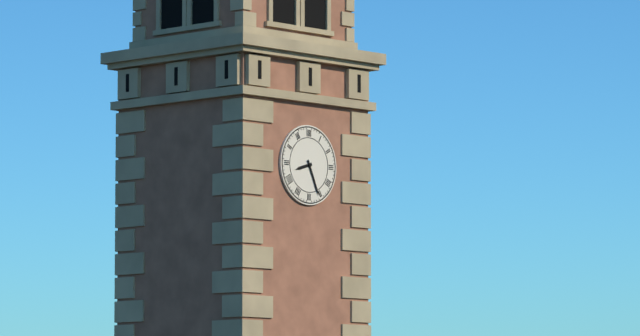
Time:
**8:26**
